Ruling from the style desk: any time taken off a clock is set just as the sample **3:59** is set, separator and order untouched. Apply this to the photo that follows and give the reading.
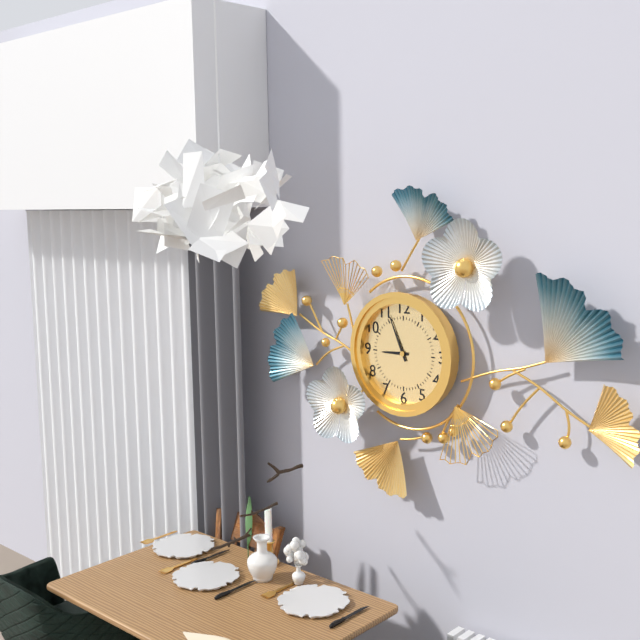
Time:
**8:56**
